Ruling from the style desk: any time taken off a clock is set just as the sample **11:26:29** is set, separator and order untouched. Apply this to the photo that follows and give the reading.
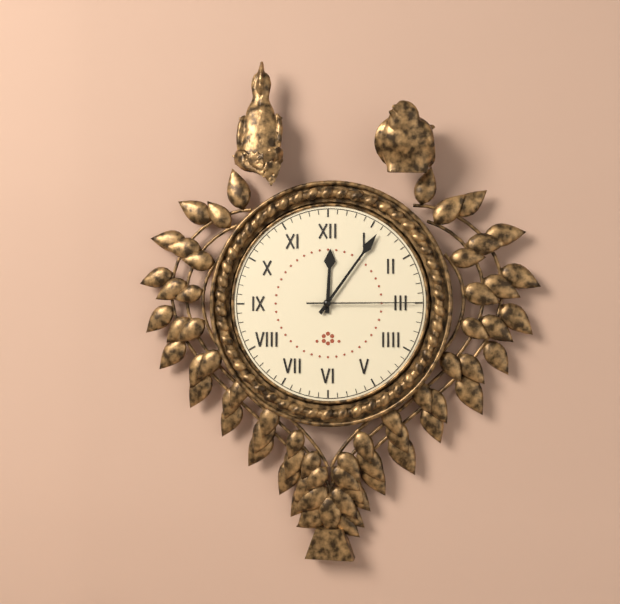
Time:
**12:06:15**
